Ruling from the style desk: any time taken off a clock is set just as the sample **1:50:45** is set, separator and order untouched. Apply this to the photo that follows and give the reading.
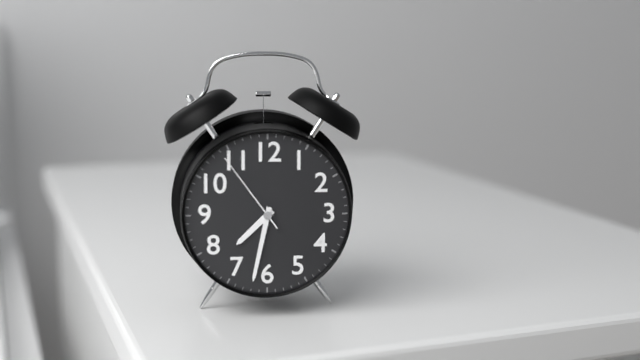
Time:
**7:32:54**
